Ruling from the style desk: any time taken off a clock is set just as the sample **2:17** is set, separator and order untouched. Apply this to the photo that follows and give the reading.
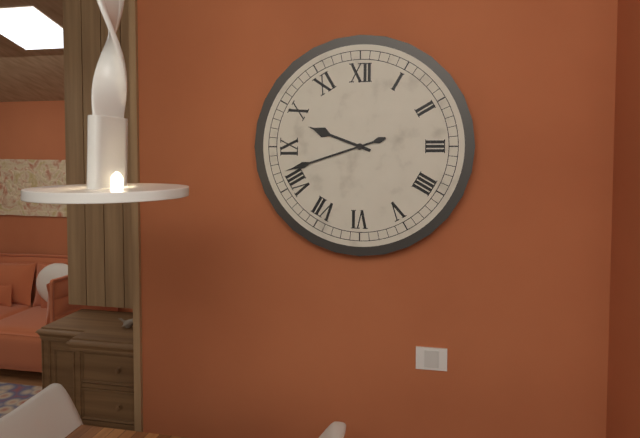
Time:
**9:42**
